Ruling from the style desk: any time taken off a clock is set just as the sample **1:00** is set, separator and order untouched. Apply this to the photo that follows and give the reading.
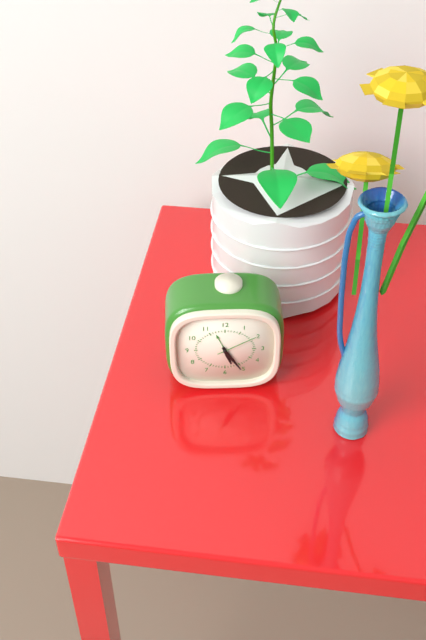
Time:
**5:25**
